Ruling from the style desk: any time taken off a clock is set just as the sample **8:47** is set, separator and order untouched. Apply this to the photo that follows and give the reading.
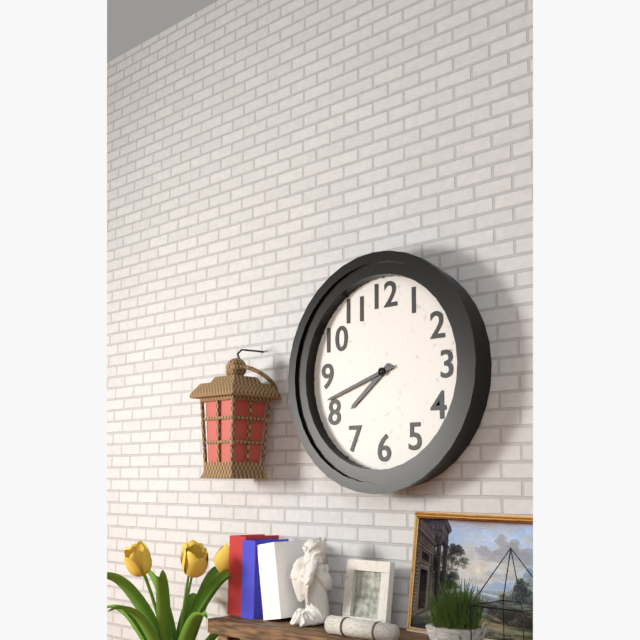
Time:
**7:42**
